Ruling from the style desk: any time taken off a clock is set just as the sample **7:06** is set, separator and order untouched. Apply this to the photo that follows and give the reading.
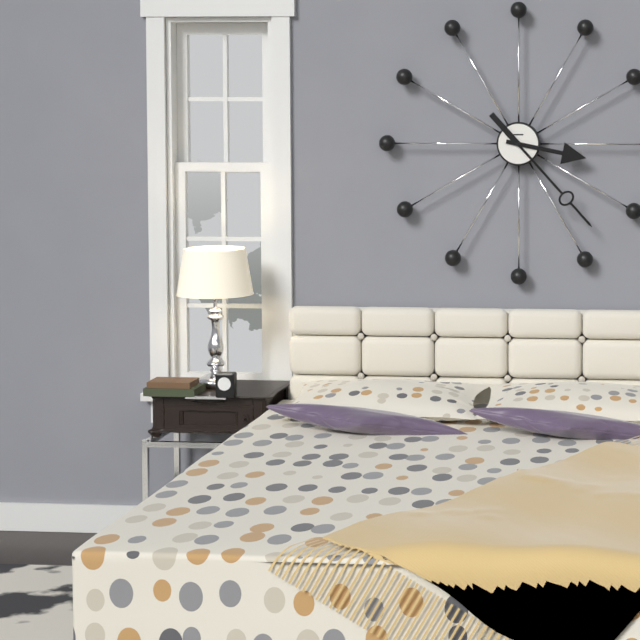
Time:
**3:23**
